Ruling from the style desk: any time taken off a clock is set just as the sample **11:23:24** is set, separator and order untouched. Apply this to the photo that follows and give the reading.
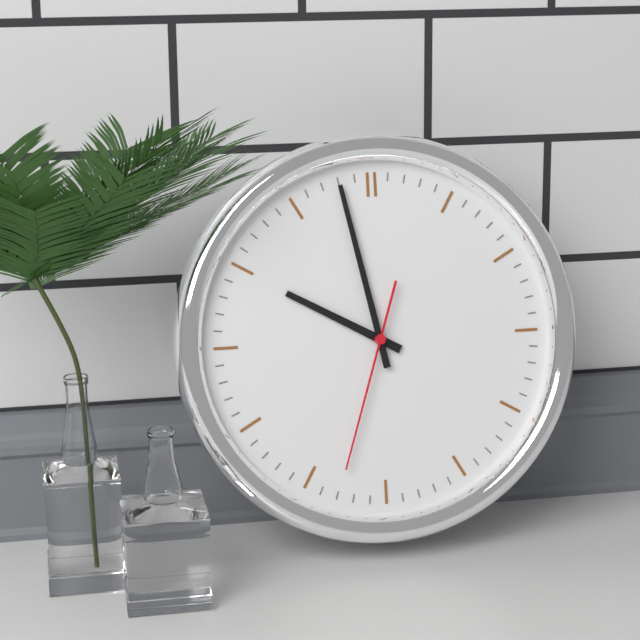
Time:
**9:58:33**
